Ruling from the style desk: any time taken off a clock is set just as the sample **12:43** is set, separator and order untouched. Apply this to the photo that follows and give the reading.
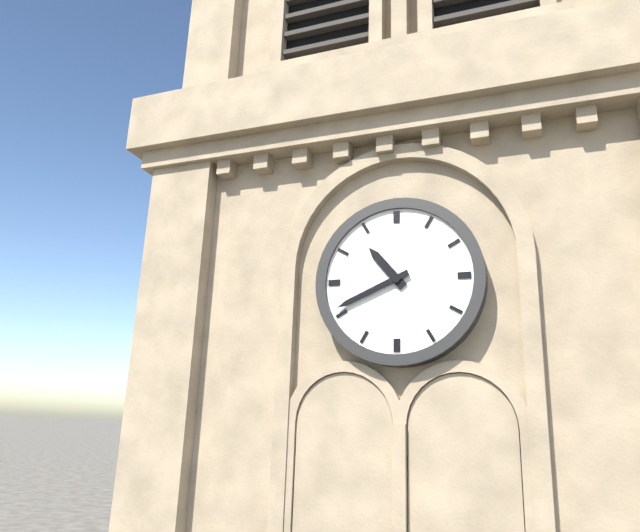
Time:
**10:41**
